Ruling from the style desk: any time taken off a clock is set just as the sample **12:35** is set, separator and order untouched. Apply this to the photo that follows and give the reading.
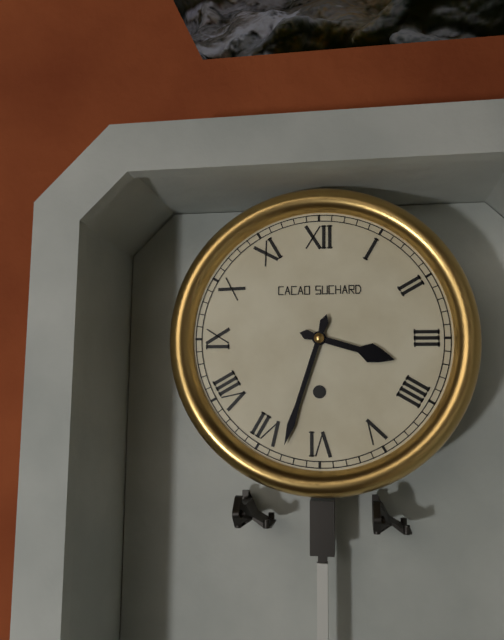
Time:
**3:33**
